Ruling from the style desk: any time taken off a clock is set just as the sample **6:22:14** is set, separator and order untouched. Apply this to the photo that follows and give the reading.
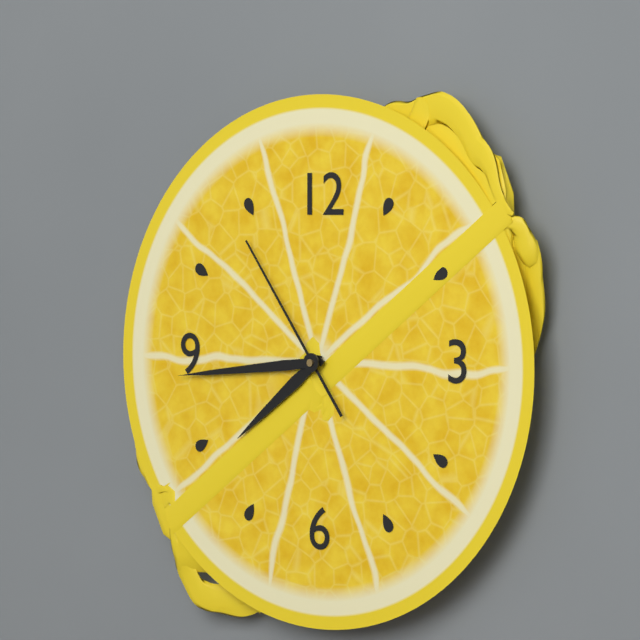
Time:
**7:44:54**
